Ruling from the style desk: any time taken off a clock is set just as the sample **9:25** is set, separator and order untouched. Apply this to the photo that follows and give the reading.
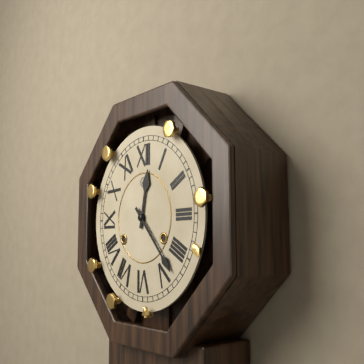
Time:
**12:23**
